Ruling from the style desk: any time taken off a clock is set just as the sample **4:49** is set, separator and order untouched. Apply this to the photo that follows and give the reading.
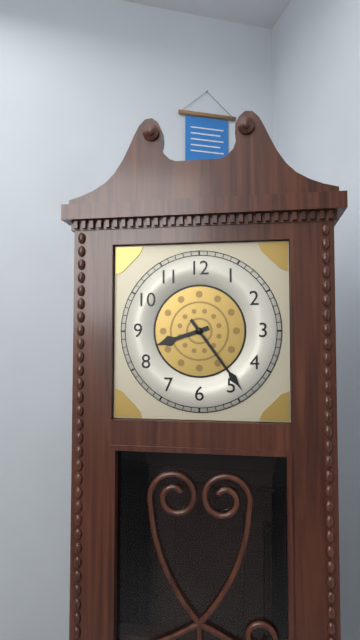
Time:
**8:24**
